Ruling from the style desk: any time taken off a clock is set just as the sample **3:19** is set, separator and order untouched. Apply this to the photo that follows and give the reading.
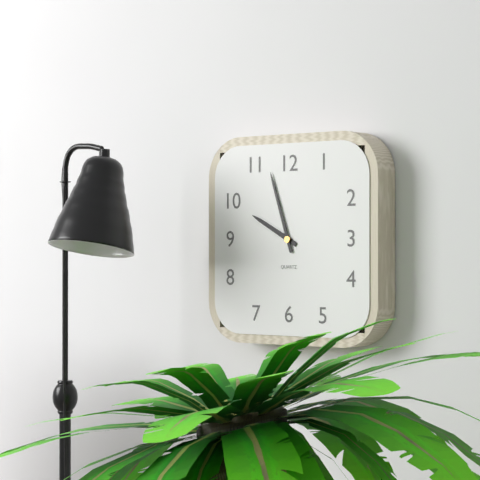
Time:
**9:57**
